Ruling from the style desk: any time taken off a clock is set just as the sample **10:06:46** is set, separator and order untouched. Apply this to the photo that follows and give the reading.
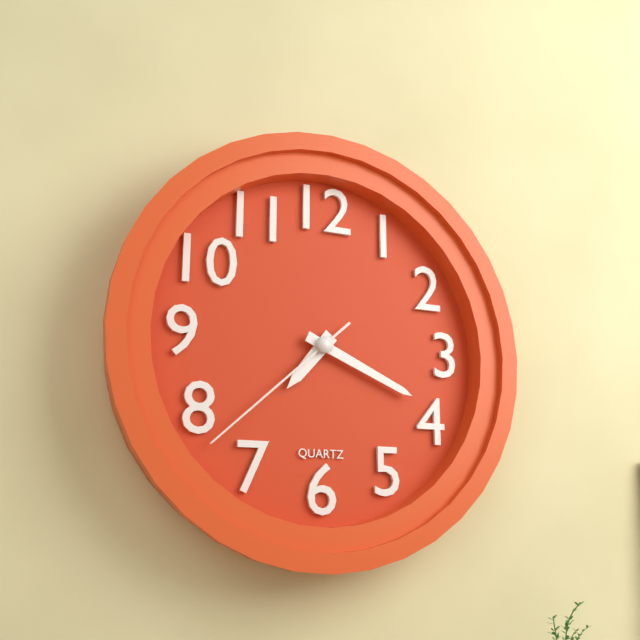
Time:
**7:19:38**
